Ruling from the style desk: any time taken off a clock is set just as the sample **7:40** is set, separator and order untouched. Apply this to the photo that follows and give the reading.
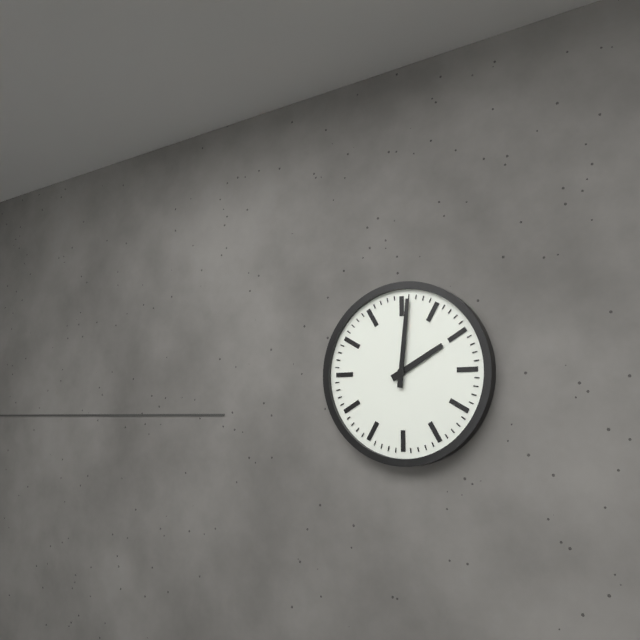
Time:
**2:01**
